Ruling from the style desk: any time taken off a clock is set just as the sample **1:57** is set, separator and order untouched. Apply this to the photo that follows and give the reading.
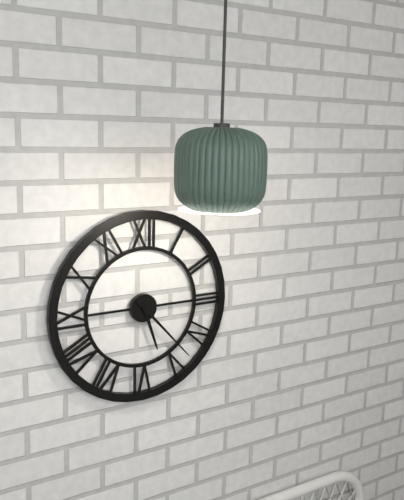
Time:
**5:23**
